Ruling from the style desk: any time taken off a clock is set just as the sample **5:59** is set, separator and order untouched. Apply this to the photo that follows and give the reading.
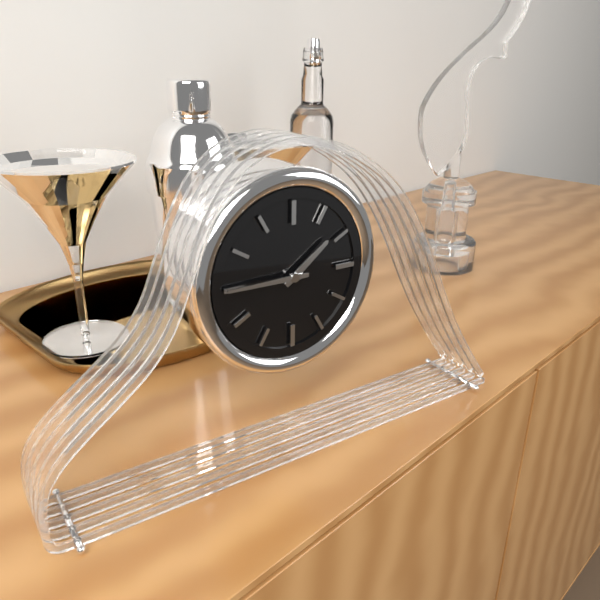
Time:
**1:45**
